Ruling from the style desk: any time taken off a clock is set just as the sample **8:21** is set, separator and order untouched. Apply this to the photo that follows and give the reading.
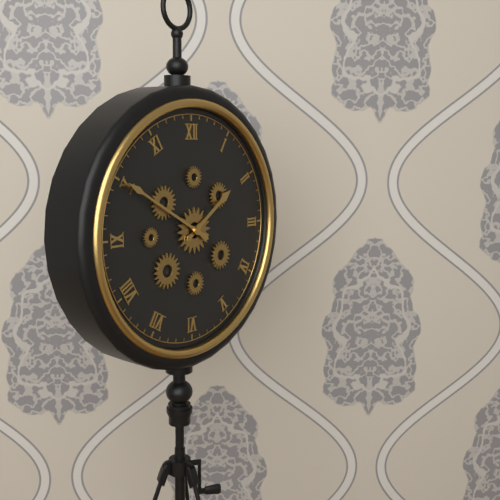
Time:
**1:50**
